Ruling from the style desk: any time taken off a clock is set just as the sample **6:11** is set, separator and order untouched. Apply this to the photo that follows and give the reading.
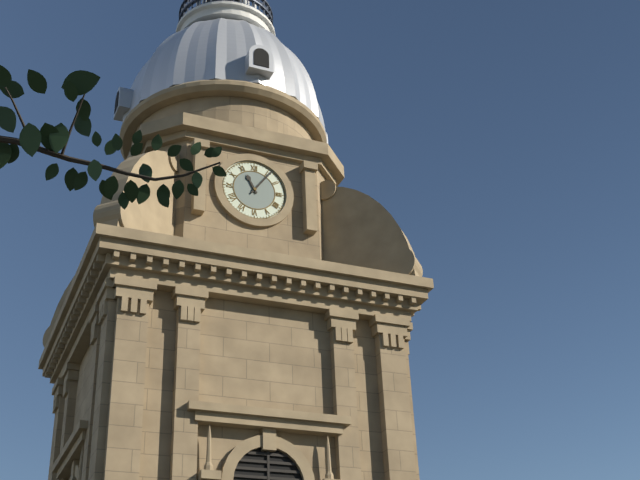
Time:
**11:06**
